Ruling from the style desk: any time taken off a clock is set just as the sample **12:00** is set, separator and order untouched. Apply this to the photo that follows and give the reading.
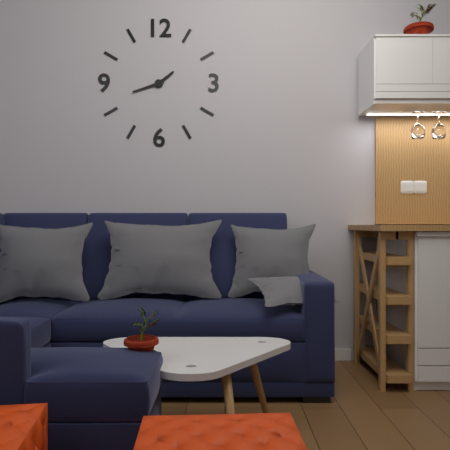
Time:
**1:42**
